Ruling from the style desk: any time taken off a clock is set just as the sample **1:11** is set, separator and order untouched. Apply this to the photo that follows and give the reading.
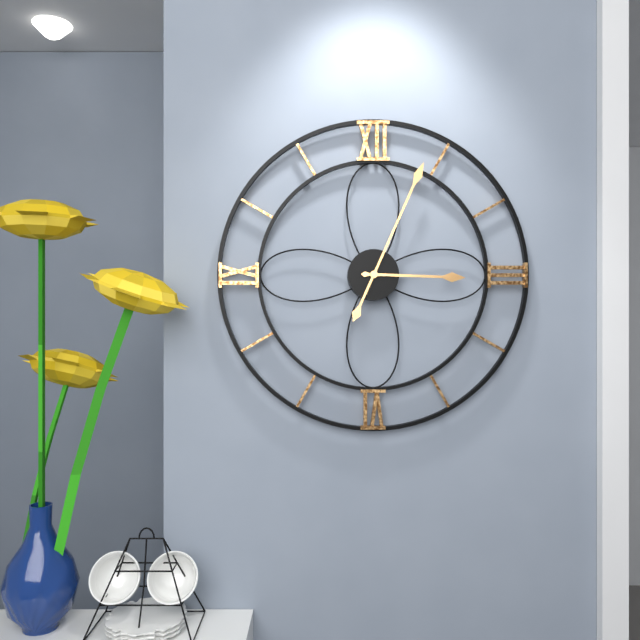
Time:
**3:04**
